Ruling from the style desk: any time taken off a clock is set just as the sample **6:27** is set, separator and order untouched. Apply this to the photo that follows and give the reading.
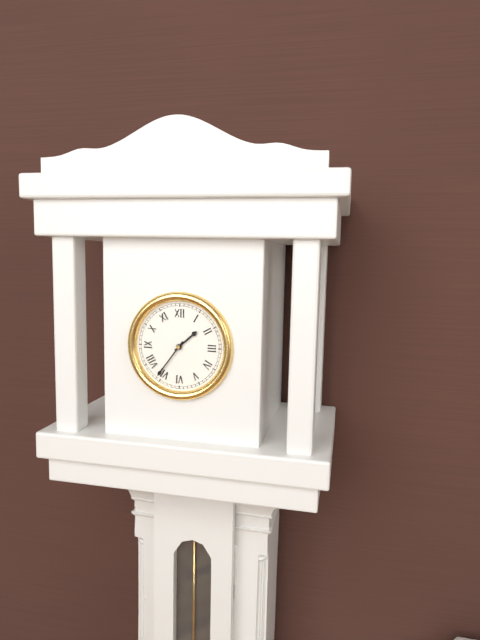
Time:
**1:36**
